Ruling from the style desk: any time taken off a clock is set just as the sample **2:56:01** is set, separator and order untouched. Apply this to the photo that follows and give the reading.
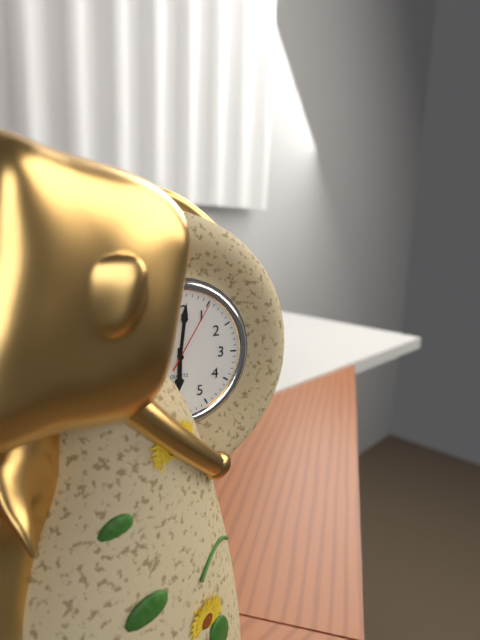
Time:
**6:01:05**
